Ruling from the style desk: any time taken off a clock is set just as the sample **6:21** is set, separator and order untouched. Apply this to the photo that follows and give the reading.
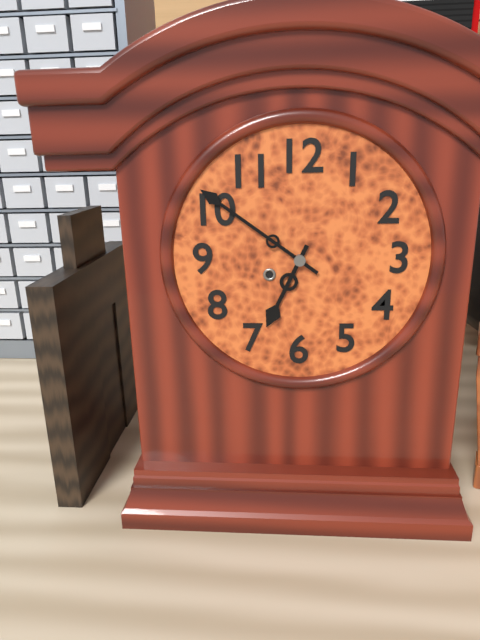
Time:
**6:51**
